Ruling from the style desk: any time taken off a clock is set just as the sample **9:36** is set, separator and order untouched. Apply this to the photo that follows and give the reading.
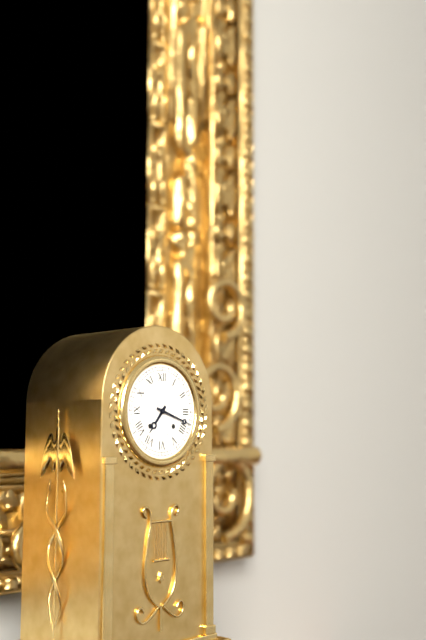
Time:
**7:18**
